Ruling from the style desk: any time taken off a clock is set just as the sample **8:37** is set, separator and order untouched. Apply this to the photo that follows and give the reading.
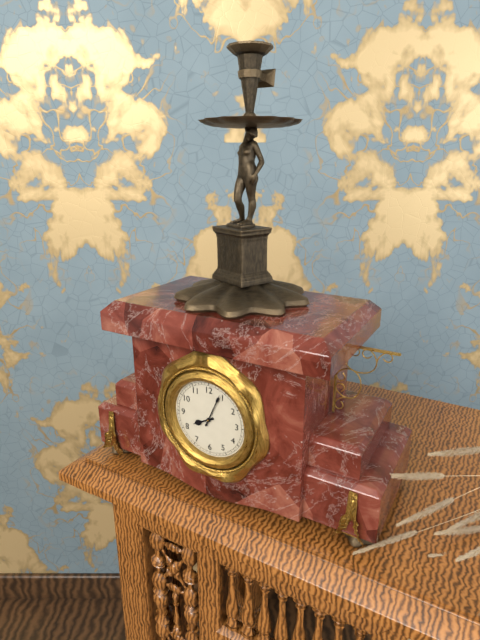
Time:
**8:04**
